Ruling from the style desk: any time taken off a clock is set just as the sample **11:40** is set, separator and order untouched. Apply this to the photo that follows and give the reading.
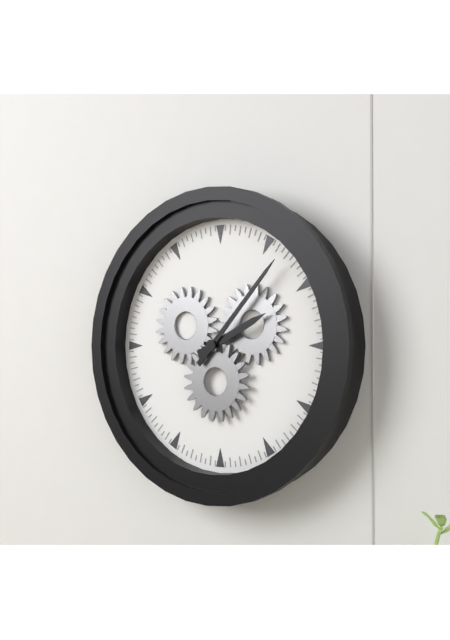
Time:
**2:07**
